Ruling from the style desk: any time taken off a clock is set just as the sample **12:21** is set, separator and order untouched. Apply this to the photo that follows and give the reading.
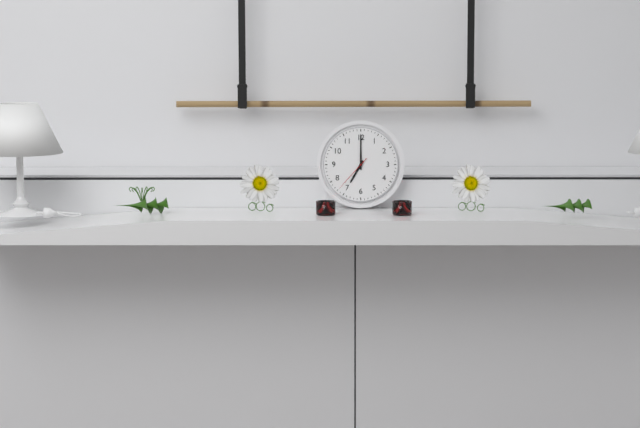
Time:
**7:00**
